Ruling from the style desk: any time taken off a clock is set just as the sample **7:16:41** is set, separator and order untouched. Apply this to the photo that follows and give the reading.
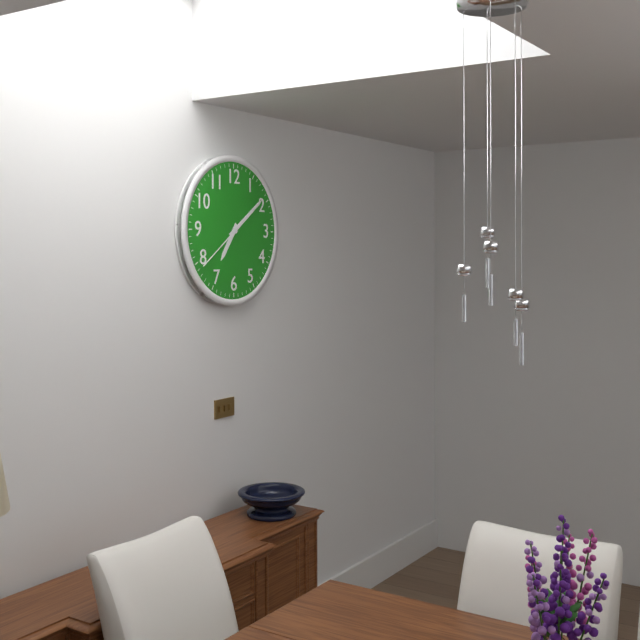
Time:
**7:09:39**
